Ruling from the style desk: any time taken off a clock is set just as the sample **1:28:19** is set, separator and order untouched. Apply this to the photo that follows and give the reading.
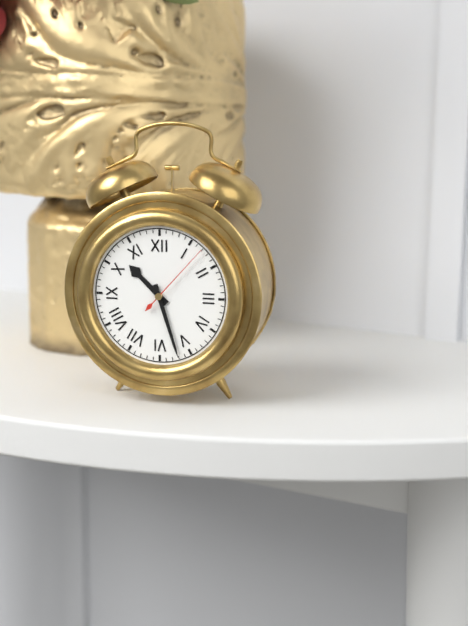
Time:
**10:27:07**
